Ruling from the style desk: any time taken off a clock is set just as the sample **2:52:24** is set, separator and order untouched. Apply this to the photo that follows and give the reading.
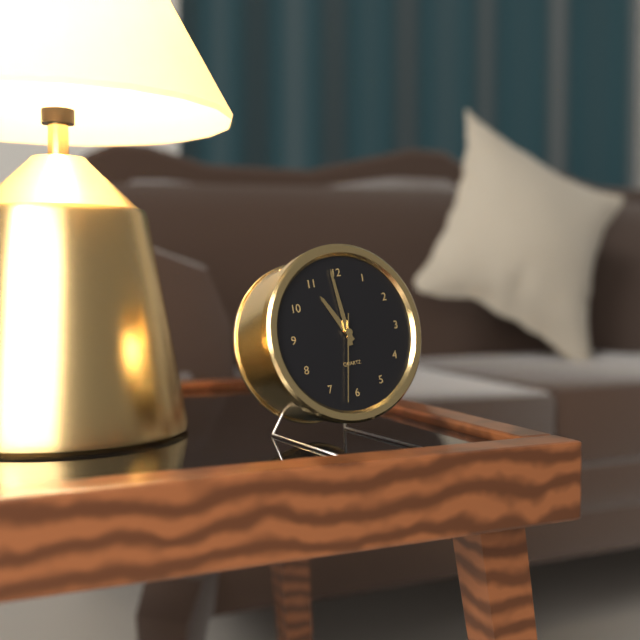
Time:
**10:59:32**
